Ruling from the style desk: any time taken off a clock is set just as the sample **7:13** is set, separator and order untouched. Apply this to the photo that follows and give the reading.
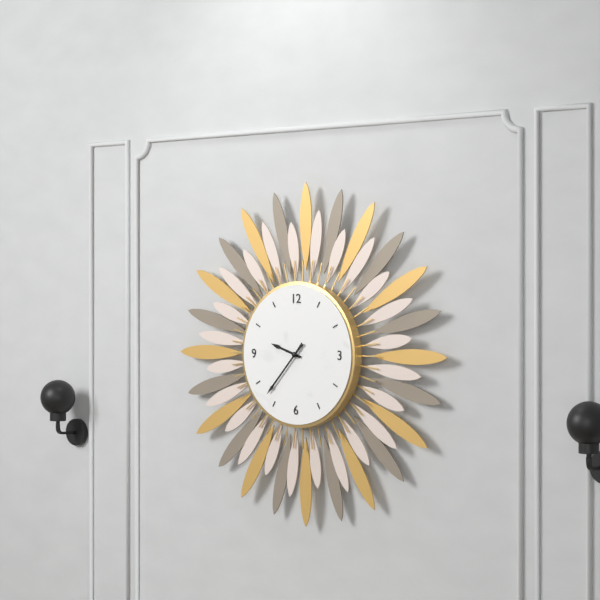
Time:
**9:37**
